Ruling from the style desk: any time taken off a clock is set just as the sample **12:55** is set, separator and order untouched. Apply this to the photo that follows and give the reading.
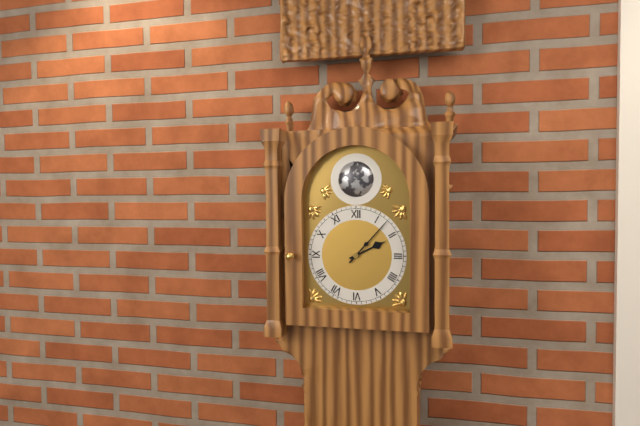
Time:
**2:07**
